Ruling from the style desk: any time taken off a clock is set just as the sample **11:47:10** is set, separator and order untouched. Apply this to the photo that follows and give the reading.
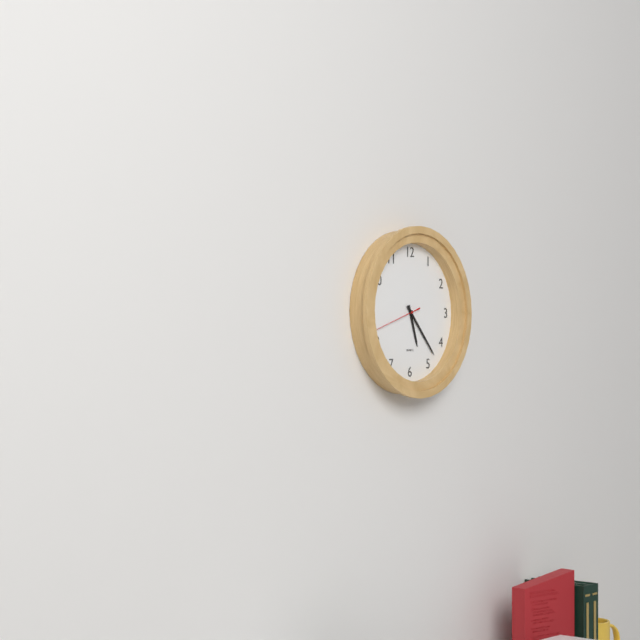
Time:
**5:23:42**
